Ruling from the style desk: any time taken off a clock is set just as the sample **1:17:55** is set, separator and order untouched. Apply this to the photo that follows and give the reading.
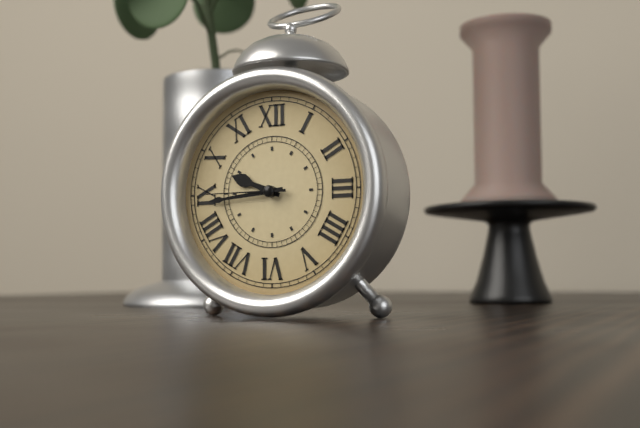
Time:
**9:44:45**
